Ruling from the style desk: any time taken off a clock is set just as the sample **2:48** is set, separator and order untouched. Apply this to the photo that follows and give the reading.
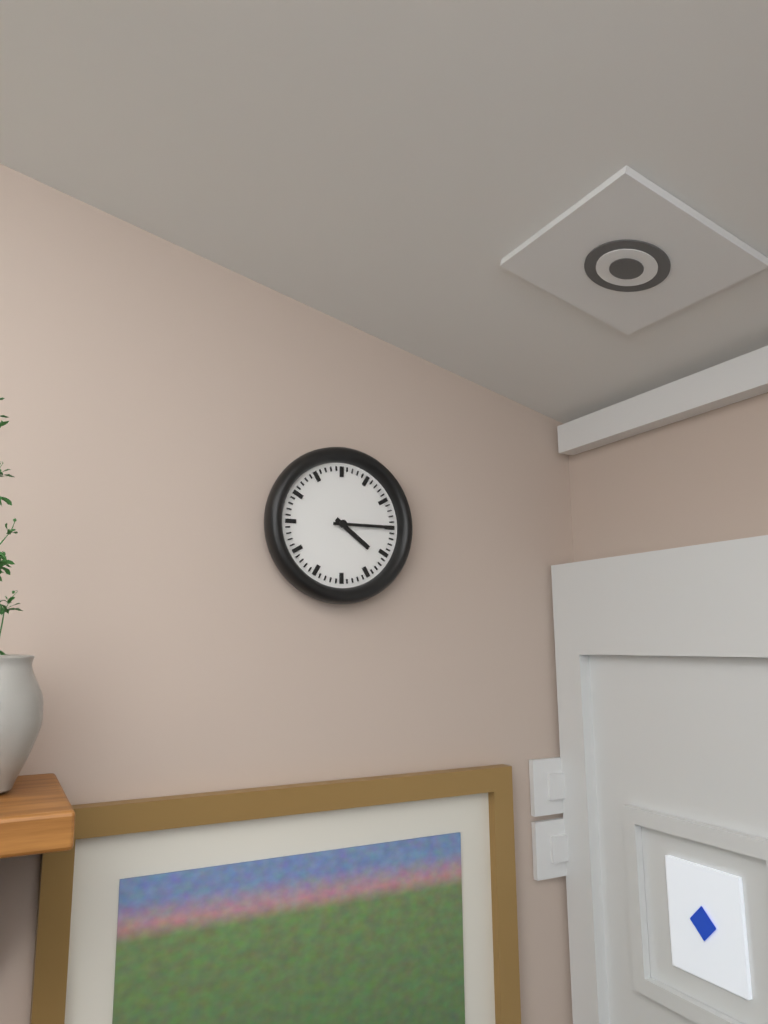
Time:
**4:15**
